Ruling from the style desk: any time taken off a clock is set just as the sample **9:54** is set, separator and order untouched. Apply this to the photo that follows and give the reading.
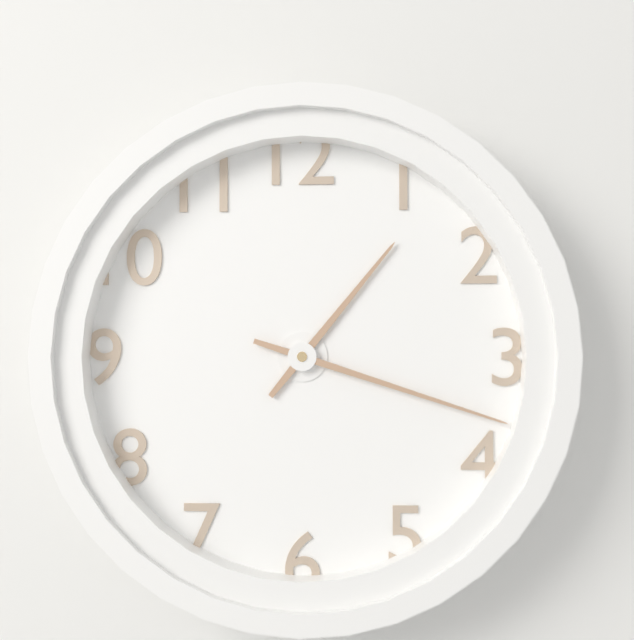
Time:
**1:18**
